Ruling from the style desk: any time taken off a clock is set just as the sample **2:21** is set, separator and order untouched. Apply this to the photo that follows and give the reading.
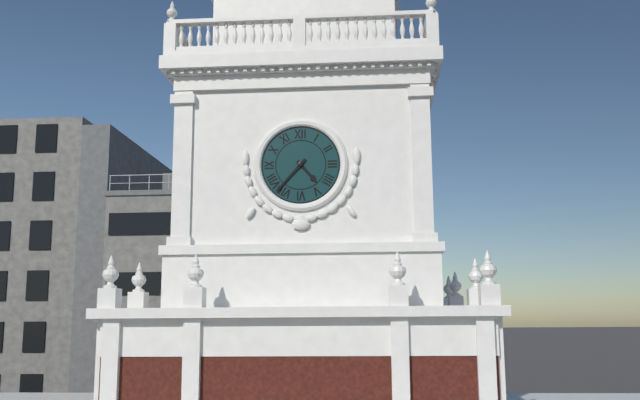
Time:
**4:37**
